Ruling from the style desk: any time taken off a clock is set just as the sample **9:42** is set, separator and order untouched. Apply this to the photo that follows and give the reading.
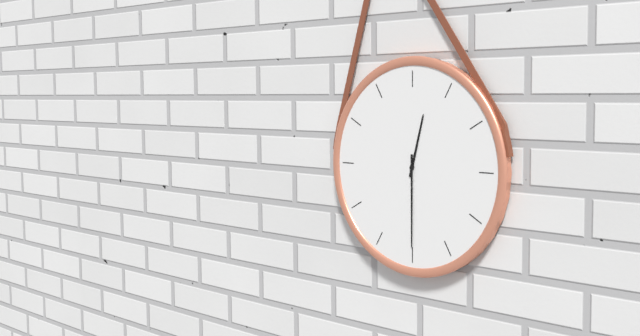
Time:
**12:30**
